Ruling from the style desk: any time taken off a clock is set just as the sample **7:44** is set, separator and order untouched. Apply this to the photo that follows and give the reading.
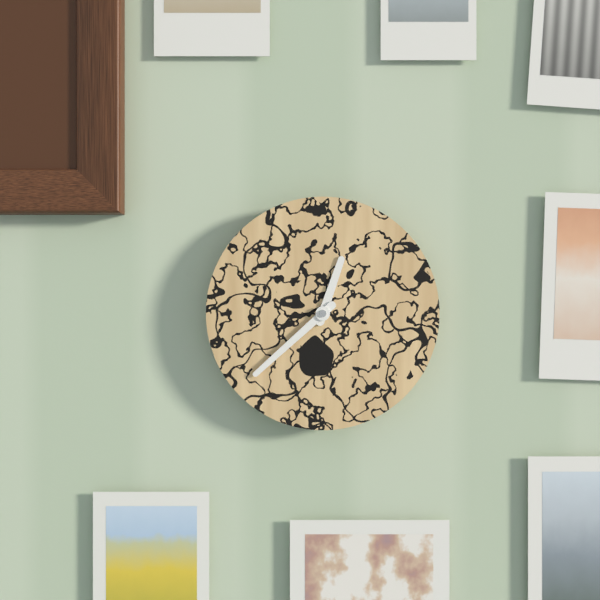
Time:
**12:38**
